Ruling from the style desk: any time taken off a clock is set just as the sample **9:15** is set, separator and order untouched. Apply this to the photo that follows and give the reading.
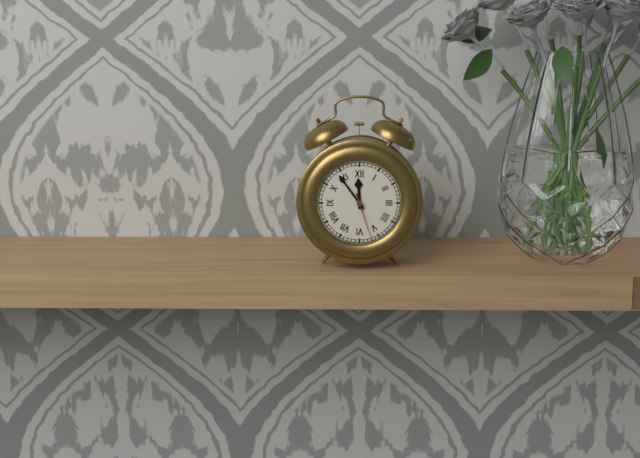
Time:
**11:54**
